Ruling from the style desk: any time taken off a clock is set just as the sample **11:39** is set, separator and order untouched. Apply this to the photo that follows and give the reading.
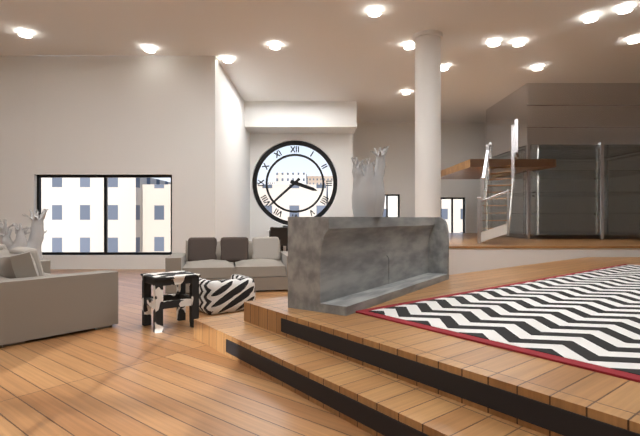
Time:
**3:38**
